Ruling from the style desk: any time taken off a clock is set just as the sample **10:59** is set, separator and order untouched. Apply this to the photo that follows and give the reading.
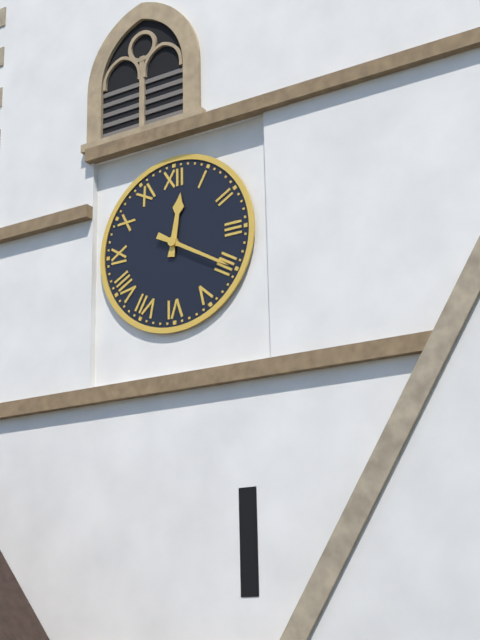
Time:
**12:20**
